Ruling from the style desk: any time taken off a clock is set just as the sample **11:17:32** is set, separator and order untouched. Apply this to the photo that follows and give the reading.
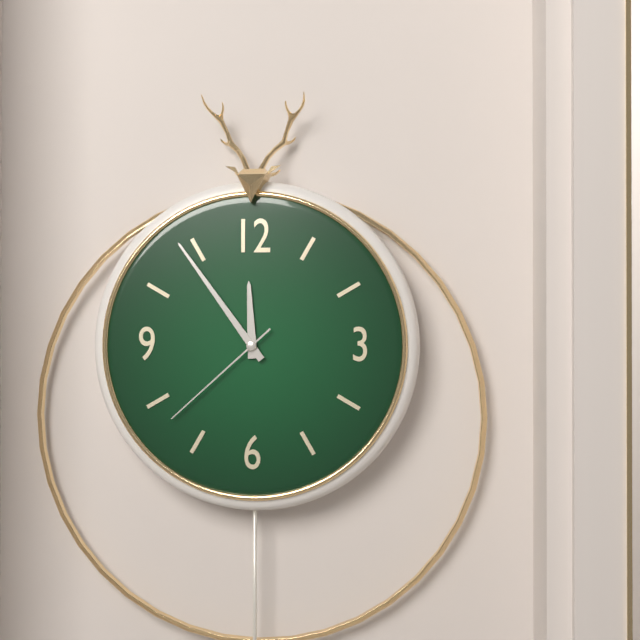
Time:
**11:54:38**
